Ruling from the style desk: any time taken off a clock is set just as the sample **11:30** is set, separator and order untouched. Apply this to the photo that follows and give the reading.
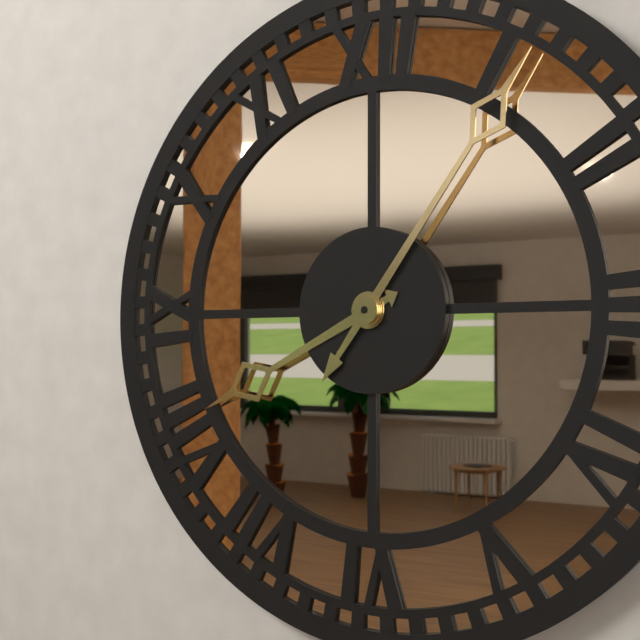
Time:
**8:06**
